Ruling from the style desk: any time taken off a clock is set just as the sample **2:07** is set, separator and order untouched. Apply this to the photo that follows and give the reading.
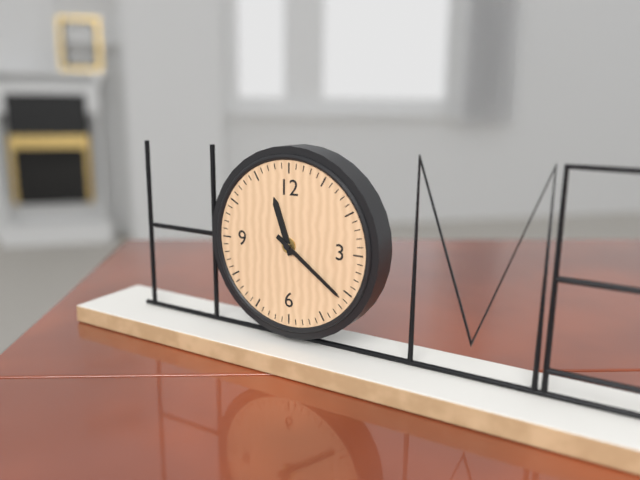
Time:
**11:21**
